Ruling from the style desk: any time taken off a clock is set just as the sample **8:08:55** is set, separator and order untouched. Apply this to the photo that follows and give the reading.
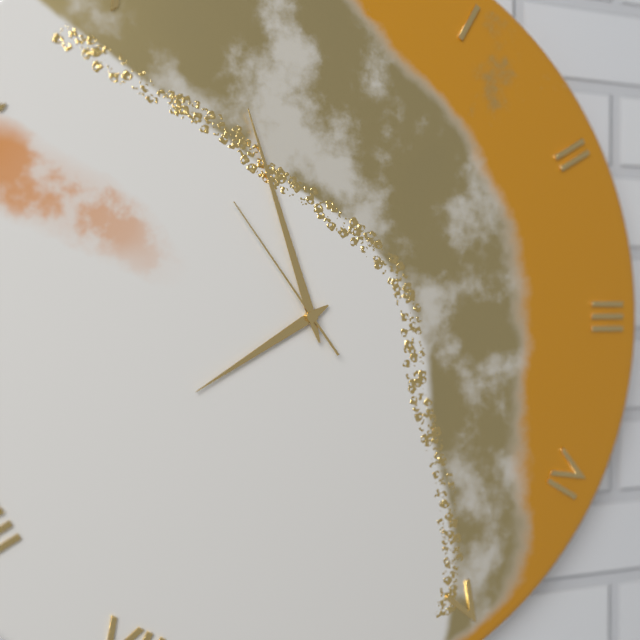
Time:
**7:57:54**
